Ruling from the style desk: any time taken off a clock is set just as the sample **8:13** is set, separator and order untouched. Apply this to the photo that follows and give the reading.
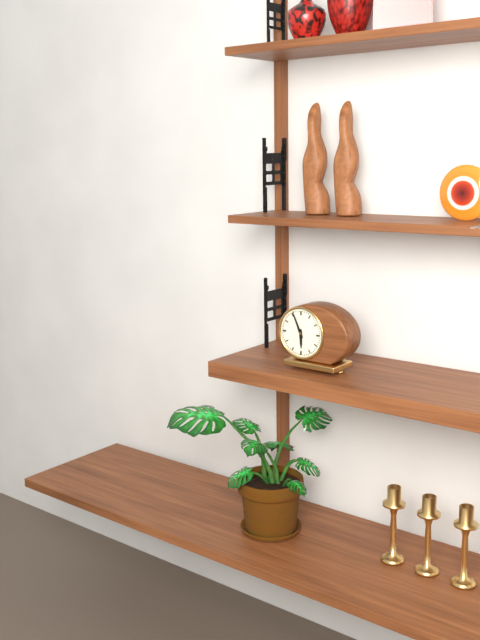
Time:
**5:56**
